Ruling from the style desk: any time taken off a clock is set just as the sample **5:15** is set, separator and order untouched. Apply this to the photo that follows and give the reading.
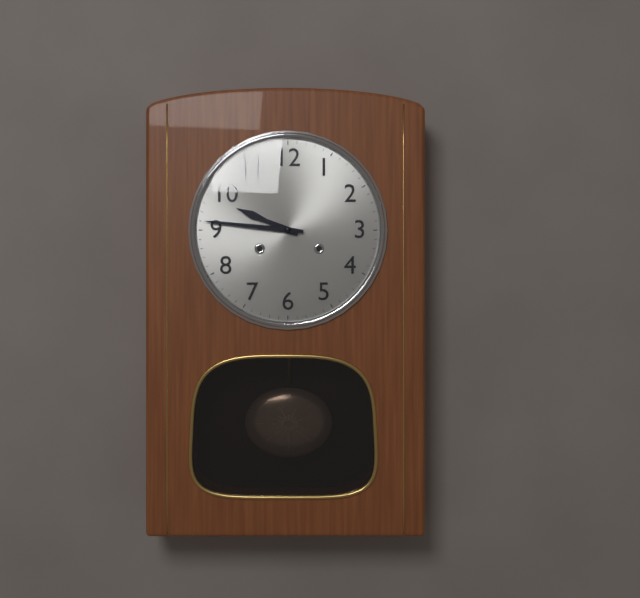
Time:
**9:46**
